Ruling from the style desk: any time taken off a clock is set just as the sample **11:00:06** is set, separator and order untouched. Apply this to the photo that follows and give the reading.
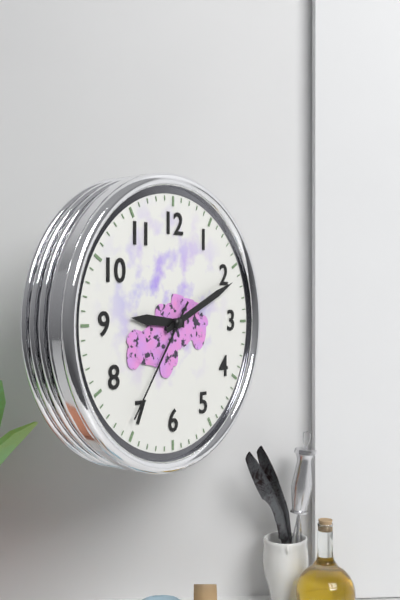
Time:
**9:11:36**
